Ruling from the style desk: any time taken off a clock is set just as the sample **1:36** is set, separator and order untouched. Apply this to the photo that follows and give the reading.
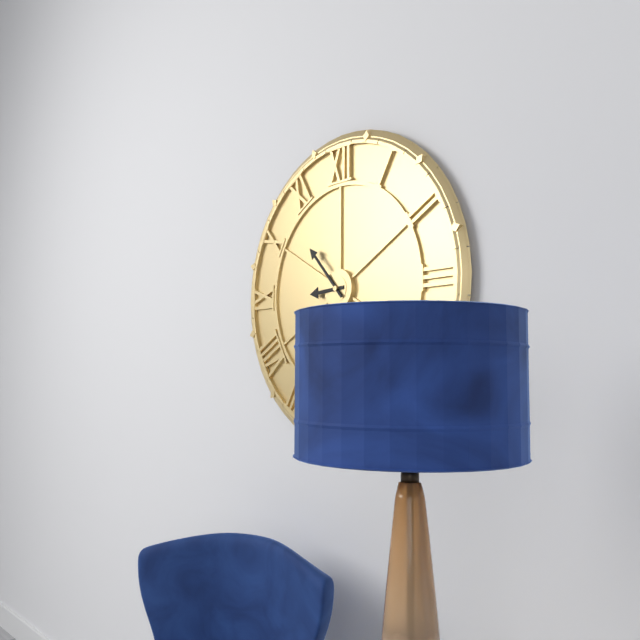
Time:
**8:53**
